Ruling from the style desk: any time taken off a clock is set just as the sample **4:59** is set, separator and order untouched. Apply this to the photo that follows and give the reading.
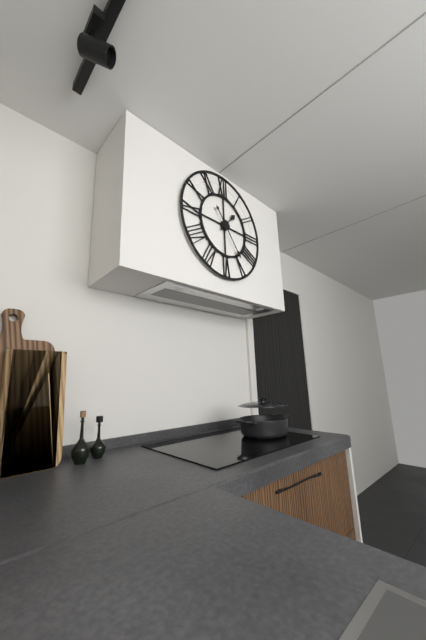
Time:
**1:24**
